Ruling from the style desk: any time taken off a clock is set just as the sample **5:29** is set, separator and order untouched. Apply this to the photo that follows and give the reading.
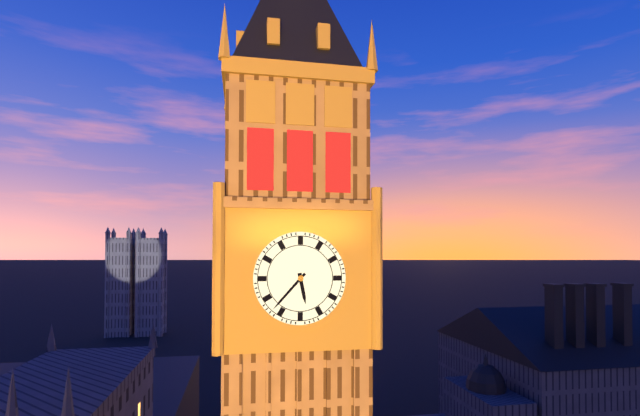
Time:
**5:37**
